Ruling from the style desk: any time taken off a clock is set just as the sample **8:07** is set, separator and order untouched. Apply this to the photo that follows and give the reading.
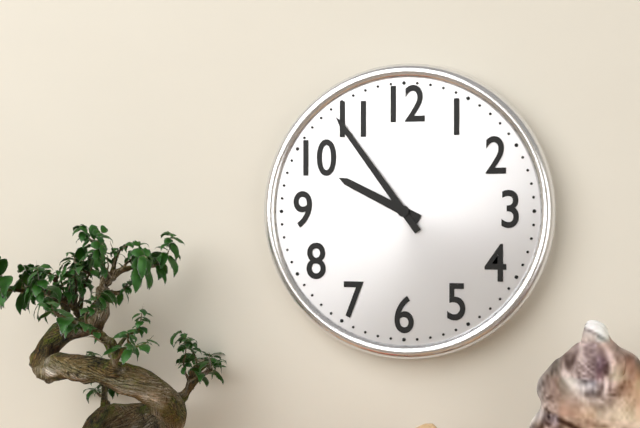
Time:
**9:54**
